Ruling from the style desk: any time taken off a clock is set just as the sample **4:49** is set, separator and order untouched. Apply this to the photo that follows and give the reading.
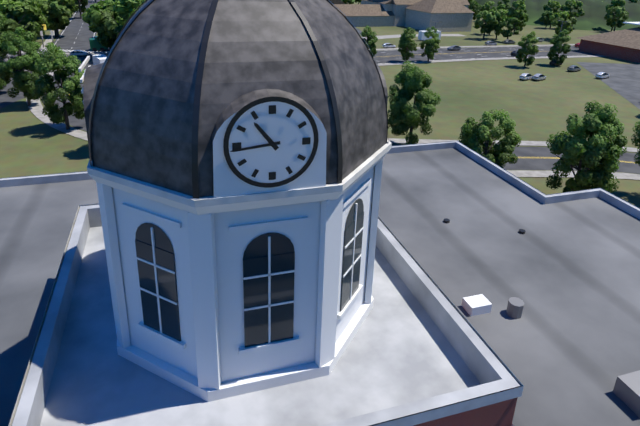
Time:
**10:44**
